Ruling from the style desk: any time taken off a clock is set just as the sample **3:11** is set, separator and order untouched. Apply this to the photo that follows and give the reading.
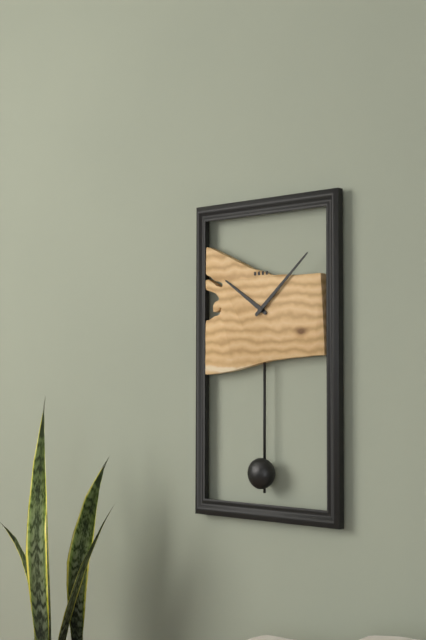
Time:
**10:08**
